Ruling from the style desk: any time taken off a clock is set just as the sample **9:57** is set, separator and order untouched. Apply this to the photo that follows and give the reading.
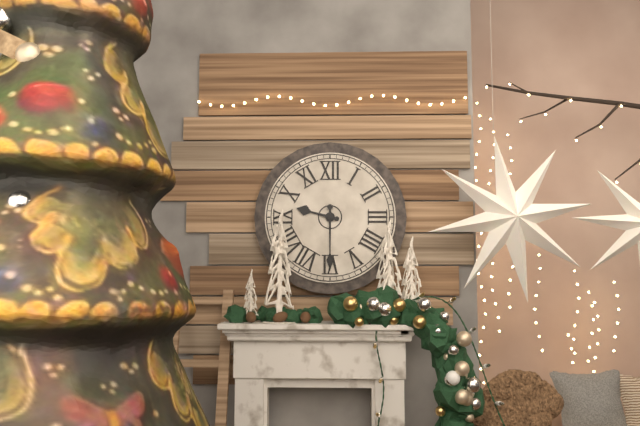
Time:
**9:30**
